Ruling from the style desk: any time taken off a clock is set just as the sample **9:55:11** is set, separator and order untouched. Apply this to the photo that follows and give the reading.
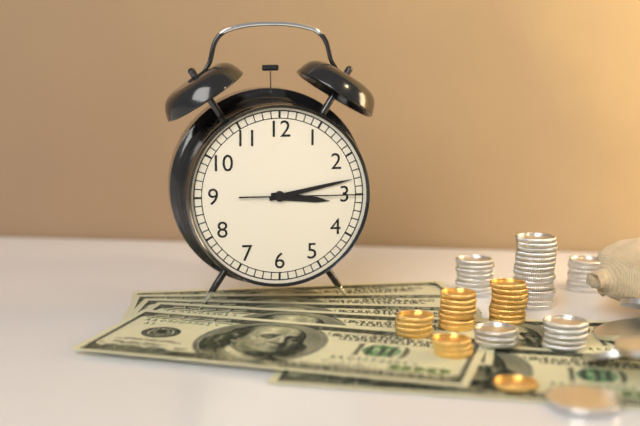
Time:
**3:13:15**
